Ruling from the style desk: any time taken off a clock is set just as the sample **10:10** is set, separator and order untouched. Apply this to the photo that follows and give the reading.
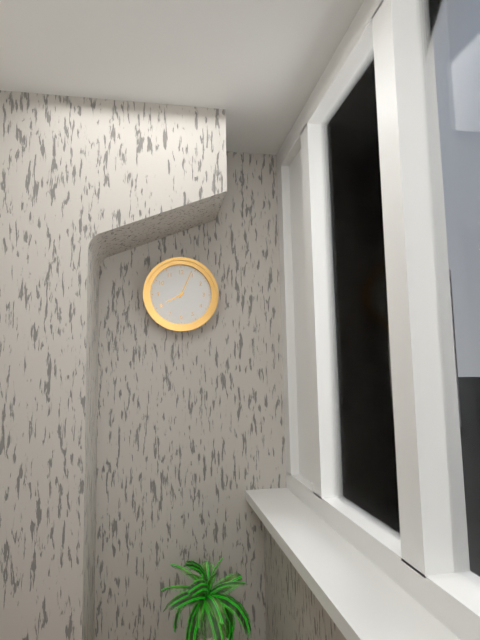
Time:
**8:04**
